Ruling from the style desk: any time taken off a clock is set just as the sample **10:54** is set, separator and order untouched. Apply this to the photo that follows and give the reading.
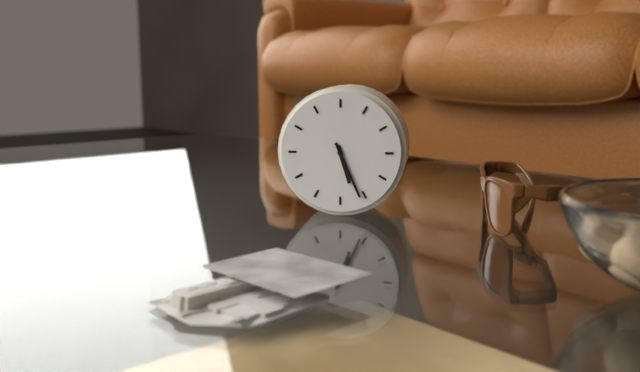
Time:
**5:26**
